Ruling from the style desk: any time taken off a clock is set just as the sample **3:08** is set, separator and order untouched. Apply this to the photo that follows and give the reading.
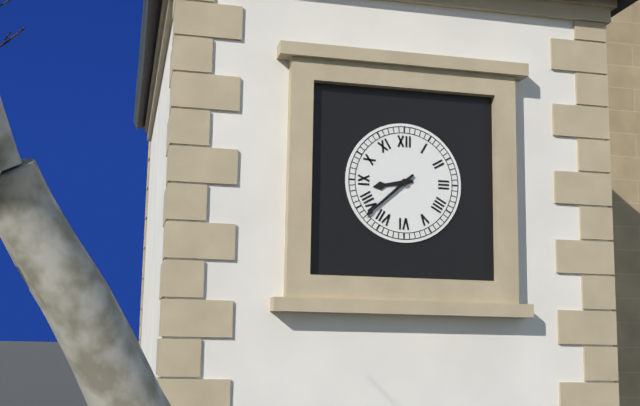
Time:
**8:38**
